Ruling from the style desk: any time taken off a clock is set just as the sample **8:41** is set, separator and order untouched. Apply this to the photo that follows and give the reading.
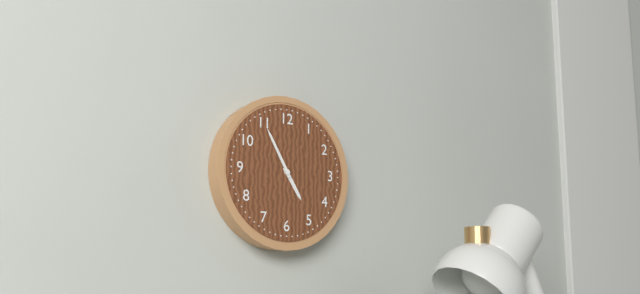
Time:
**4:55**
